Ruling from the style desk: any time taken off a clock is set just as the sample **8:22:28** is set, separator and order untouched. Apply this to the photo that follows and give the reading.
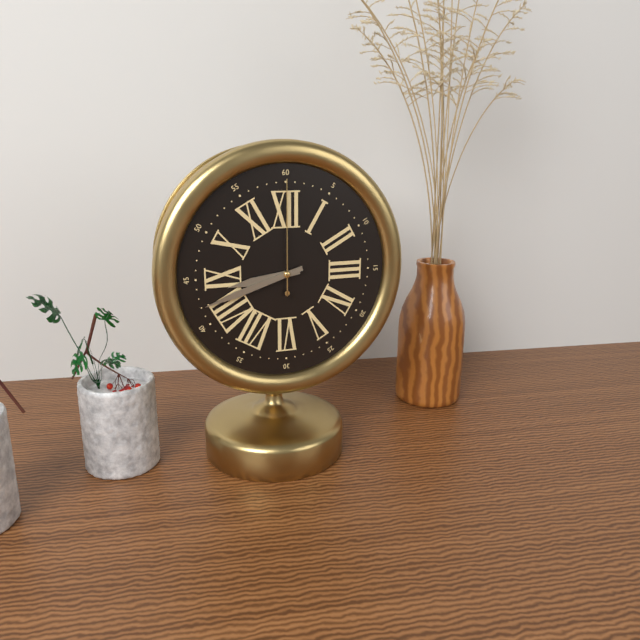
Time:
**8:42:00**
